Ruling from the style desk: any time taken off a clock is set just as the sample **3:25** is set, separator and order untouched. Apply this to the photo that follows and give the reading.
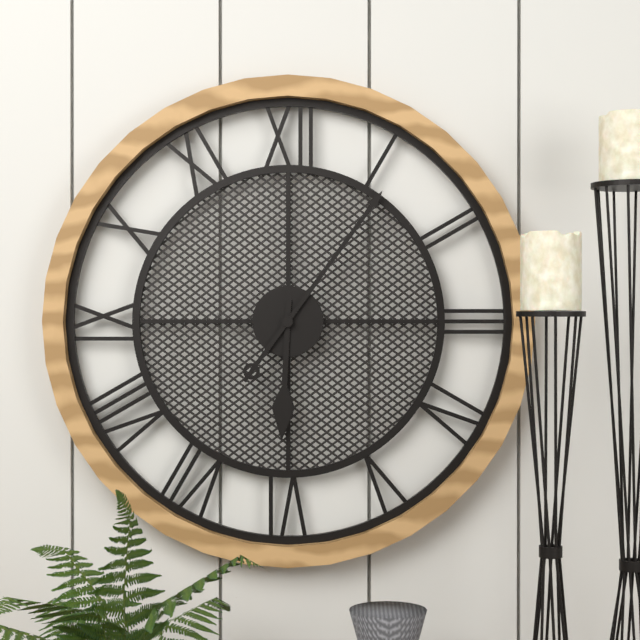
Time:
**6:06**
